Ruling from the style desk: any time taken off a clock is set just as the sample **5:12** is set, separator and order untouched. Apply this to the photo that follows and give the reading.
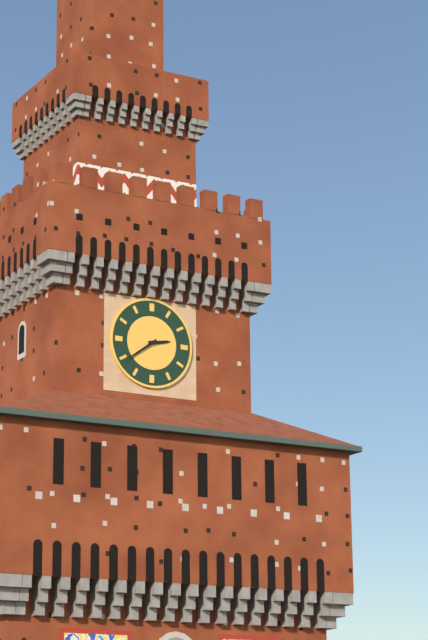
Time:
**2:39**
